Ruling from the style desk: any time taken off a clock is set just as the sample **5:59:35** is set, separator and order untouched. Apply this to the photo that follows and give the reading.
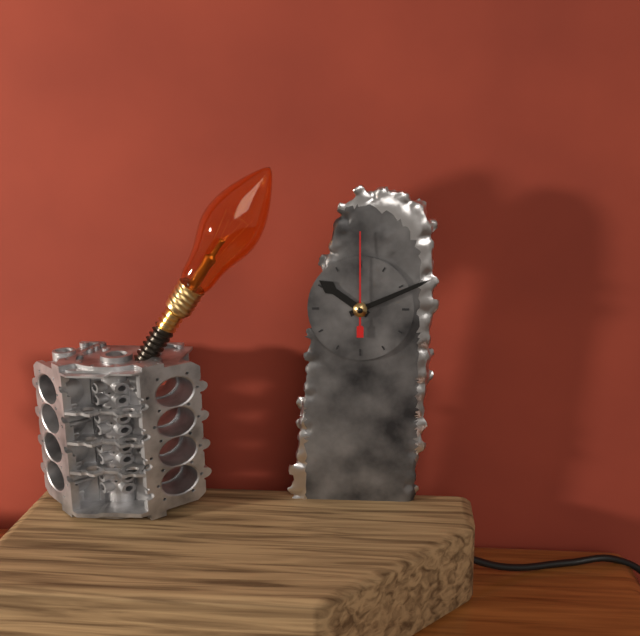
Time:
**10:11:00**
